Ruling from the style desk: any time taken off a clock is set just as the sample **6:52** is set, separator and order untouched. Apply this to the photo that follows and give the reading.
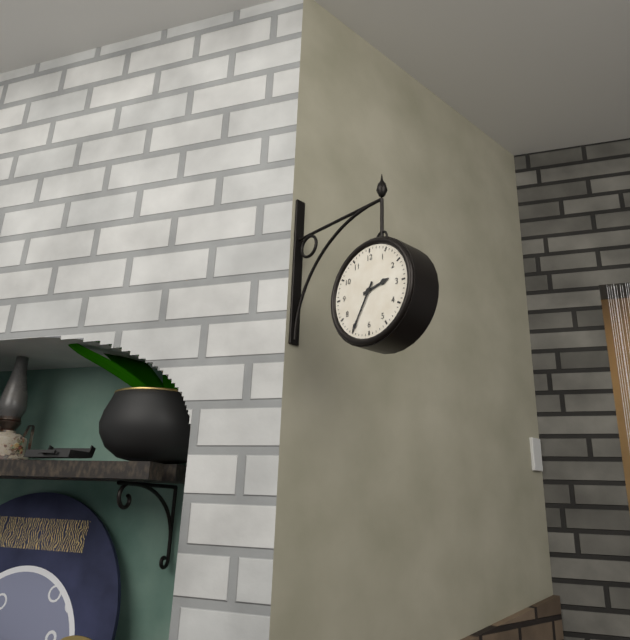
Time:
**2:35**
